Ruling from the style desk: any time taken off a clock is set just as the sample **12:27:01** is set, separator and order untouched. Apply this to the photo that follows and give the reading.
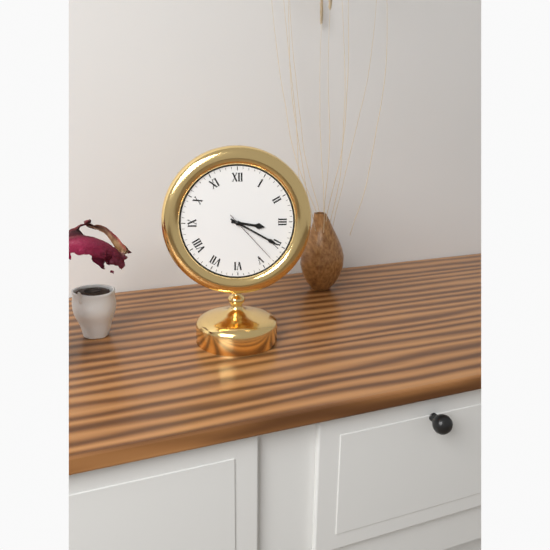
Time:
**3:20:23**
